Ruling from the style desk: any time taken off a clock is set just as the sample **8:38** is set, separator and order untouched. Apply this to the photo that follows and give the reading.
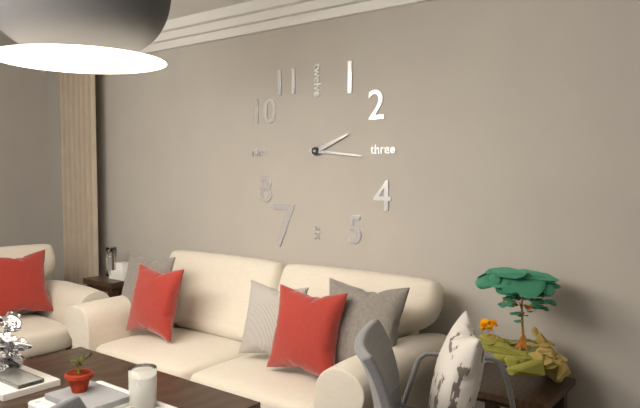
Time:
**2:16**
